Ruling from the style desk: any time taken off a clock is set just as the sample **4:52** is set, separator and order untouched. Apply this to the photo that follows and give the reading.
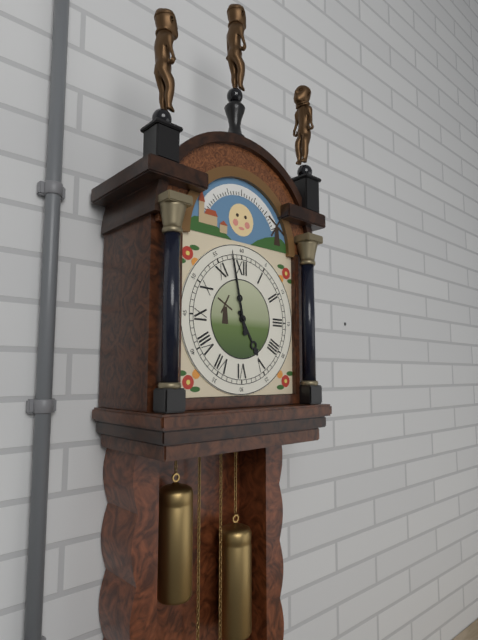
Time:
**4:58**
